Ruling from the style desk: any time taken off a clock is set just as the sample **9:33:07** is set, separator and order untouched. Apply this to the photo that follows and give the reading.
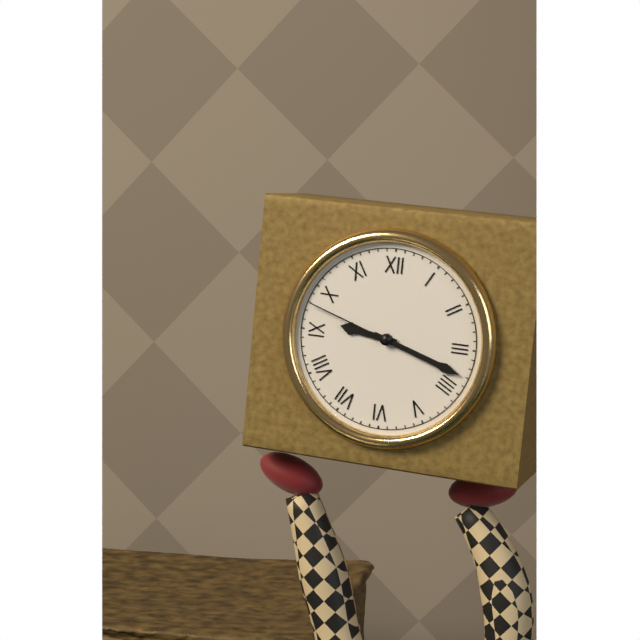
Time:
**9:18:48**
